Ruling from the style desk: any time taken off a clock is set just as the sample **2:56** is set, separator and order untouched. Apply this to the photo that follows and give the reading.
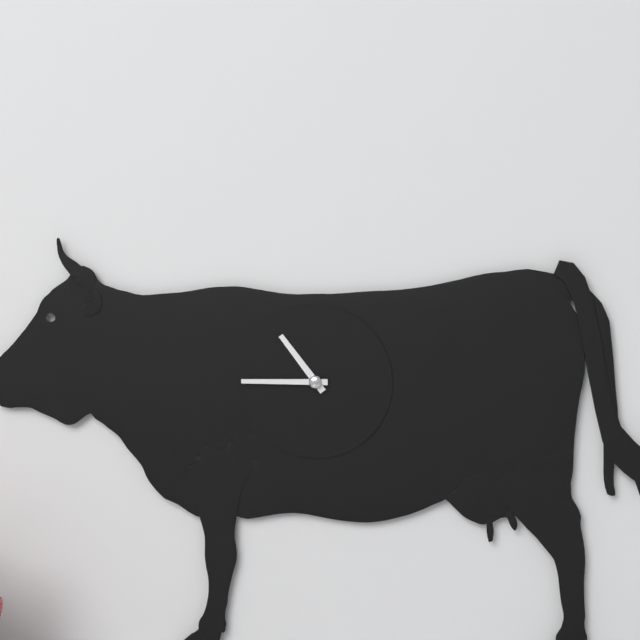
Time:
**10:45**
